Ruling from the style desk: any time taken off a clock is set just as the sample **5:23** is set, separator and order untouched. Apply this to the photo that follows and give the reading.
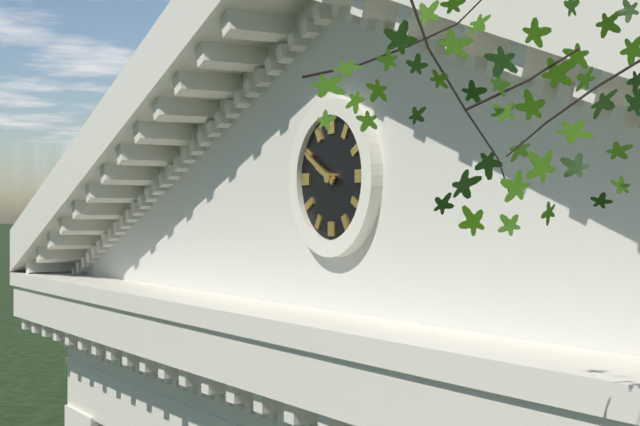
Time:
**9:50**
